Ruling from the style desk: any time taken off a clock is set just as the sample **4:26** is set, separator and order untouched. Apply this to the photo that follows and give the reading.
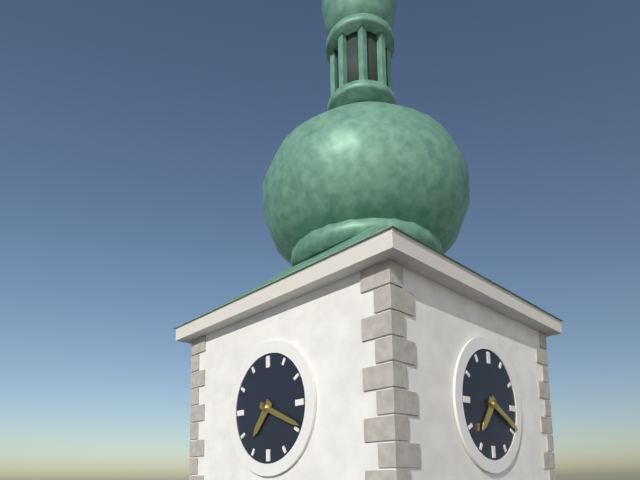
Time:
**7:19**
